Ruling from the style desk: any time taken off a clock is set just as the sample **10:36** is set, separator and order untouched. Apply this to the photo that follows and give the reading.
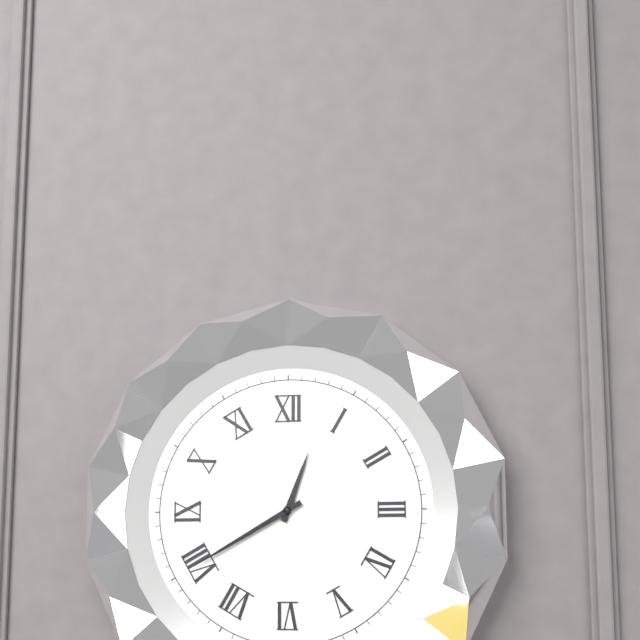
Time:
**12:40**
